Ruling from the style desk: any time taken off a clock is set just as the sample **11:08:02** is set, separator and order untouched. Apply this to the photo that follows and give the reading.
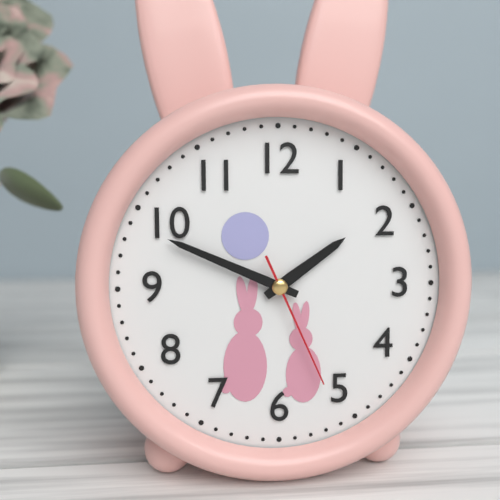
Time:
**1:49:26**
